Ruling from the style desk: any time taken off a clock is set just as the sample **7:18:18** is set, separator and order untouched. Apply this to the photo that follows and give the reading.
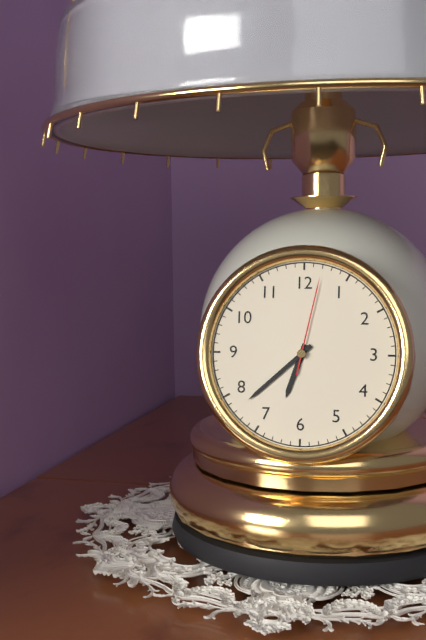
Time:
**6:38:02**
